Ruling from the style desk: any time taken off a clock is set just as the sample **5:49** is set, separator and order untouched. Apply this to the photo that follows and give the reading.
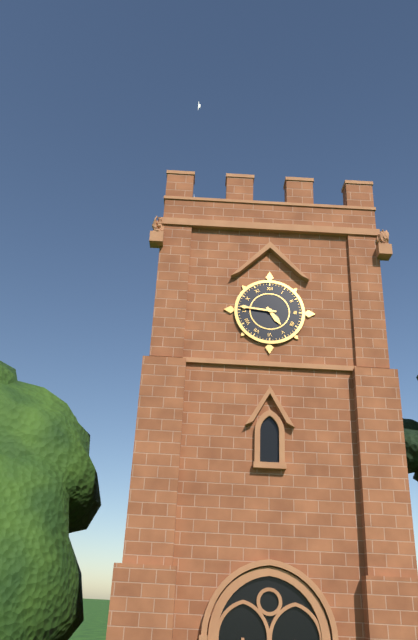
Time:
**4:46**
